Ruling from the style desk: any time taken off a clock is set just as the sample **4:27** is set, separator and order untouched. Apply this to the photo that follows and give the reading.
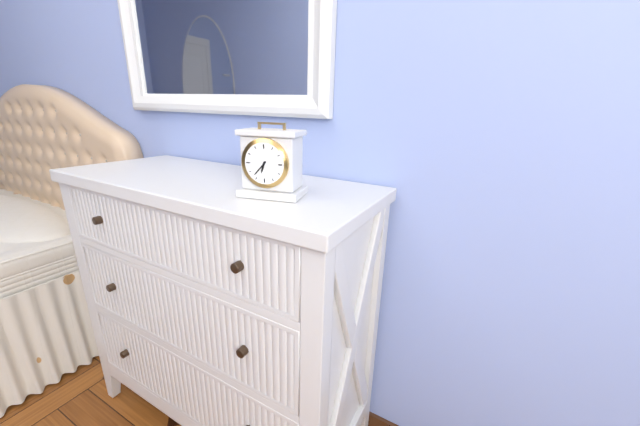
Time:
**6:37**
